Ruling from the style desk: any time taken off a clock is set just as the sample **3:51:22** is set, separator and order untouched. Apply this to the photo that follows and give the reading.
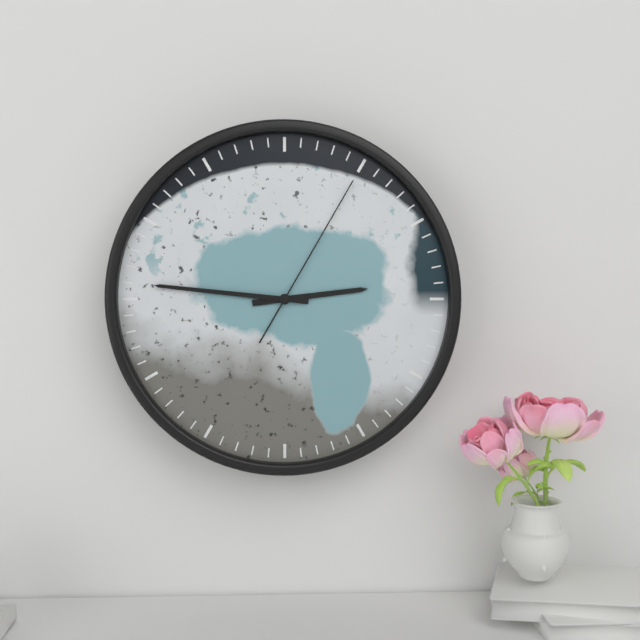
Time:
**2:46:05**
